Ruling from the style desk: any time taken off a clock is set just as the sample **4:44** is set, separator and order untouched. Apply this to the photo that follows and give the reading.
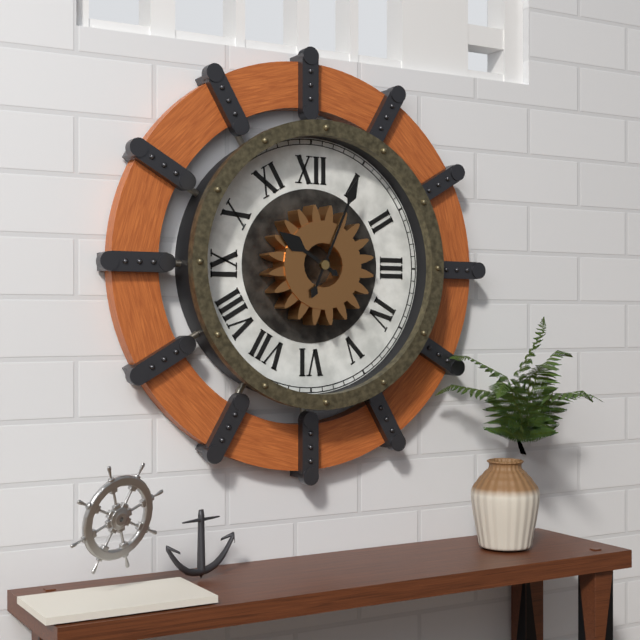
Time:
**10:04**
